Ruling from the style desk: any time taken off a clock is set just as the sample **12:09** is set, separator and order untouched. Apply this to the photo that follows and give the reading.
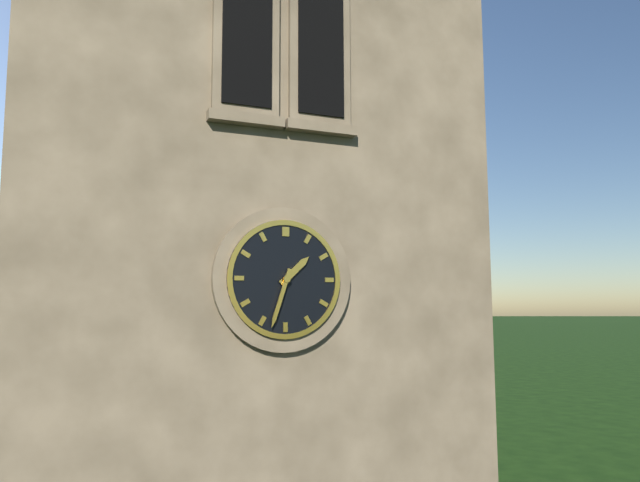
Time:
**1:33**
